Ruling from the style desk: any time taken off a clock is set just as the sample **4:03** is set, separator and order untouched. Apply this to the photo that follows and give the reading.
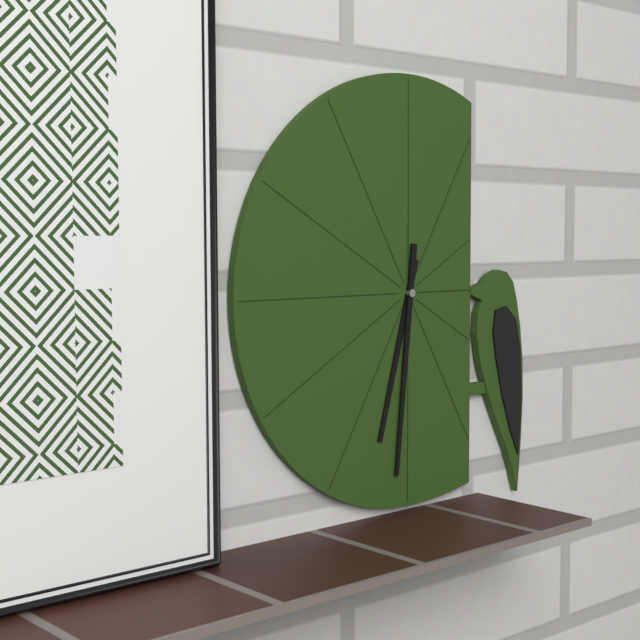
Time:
**6:31**
